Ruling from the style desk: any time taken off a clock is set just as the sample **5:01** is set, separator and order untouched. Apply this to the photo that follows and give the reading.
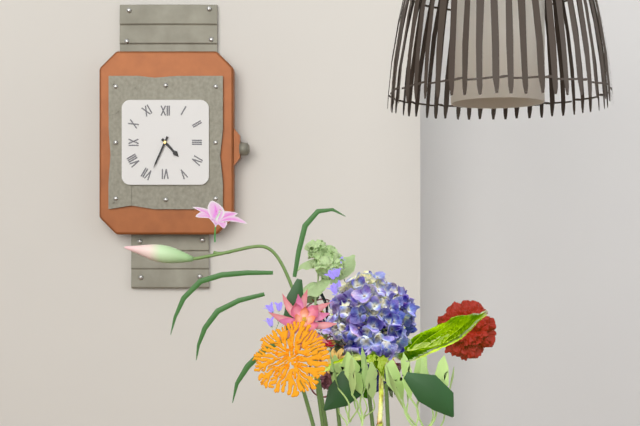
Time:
**4:34**
